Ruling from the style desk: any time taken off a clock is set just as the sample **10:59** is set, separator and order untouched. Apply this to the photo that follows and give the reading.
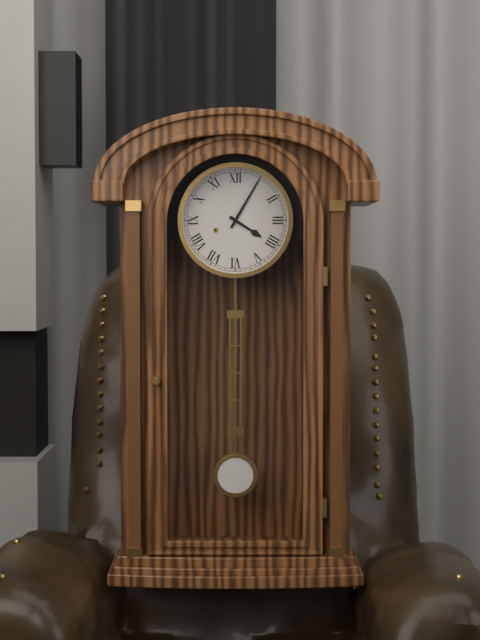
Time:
**4:05**
